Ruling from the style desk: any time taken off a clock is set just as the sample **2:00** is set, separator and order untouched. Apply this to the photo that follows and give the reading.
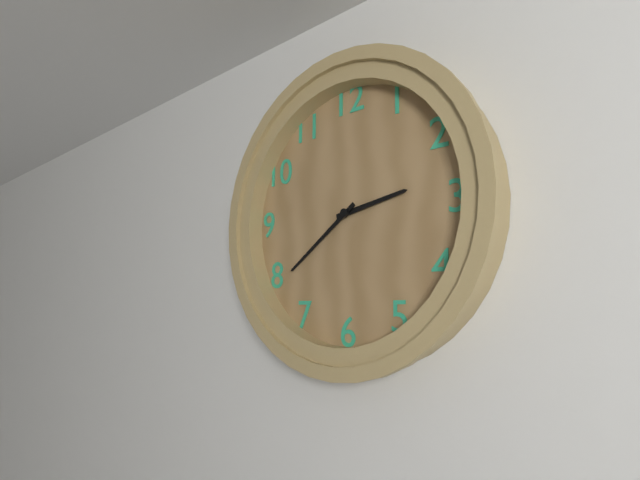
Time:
**2:39**
